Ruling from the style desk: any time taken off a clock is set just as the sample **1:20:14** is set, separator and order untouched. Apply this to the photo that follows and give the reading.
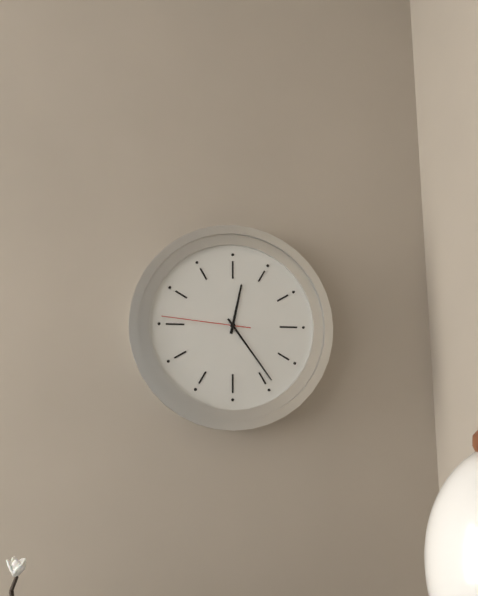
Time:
**12:24:46**
